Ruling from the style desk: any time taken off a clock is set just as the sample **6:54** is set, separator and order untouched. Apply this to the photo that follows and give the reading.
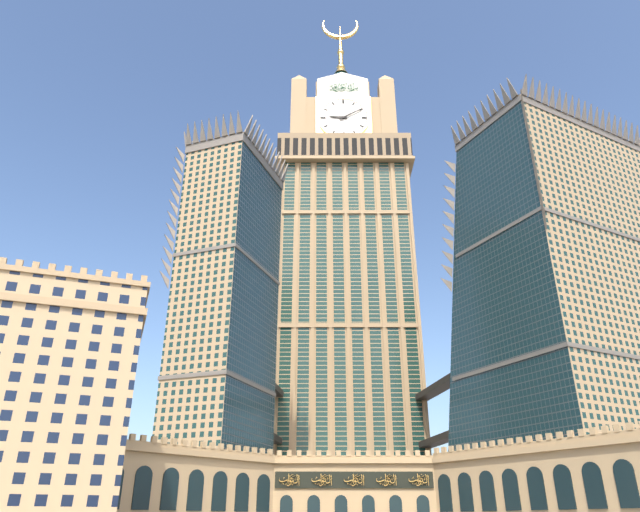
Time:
**9:10**
